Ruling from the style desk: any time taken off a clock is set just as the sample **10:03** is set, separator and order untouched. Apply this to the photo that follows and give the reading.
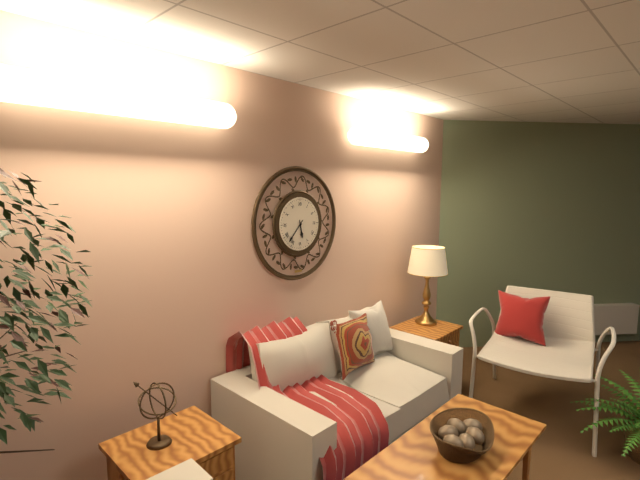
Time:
**5:37**
